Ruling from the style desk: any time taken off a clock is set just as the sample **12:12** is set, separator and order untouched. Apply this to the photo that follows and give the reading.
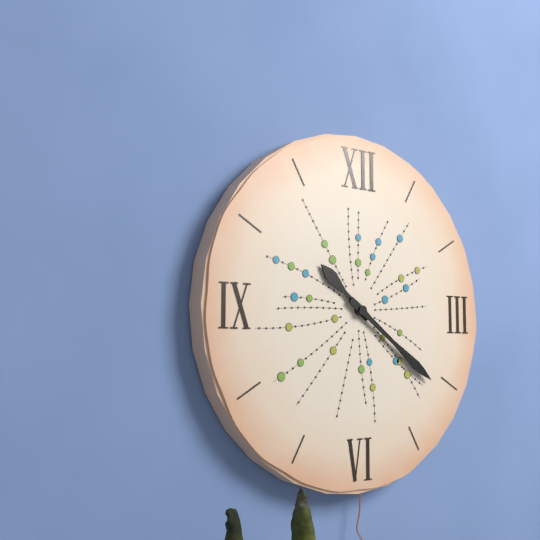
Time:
**10:21**
